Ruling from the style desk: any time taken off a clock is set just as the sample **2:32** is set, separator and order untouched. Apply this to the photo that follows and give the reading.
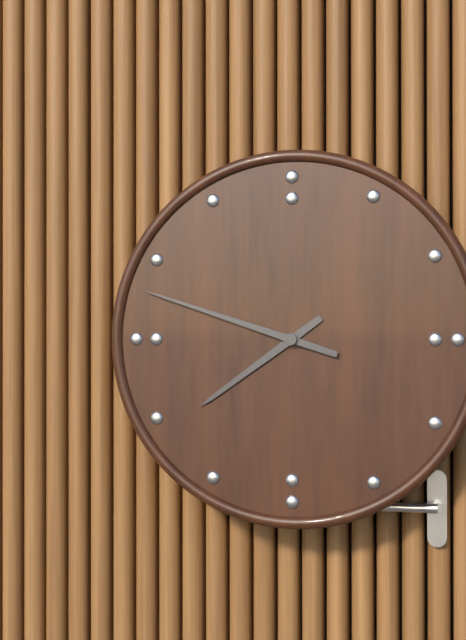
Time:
**7:48**
